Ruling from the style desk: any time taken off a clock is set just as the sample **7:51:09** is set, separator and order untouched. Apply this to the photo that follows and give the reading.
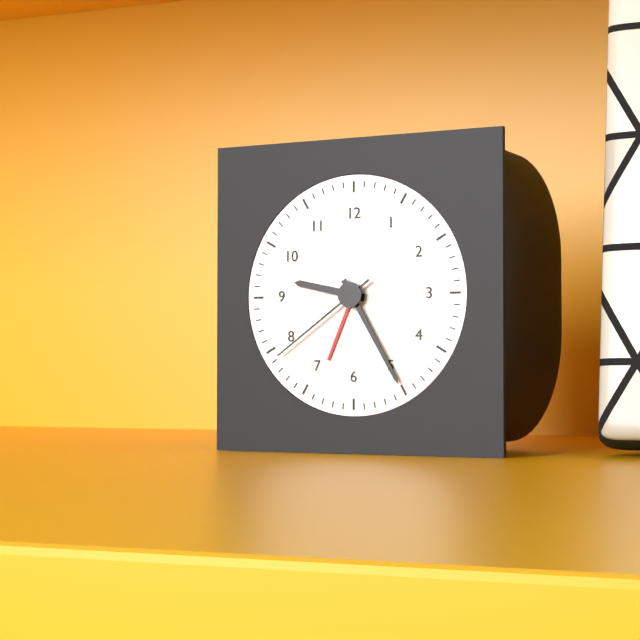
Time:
**9:25:39**
